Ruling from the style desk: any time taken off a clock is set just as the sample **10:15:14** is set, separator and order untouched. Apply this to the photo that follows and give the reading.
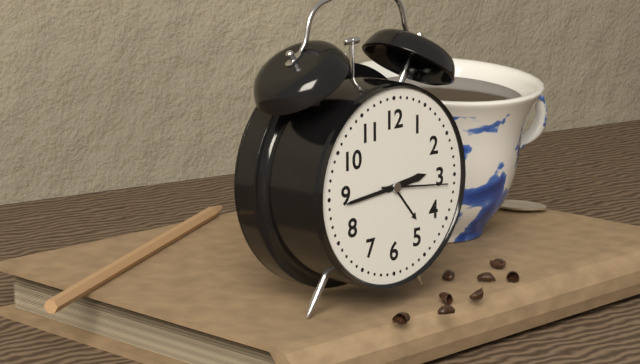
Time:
**2:44:16**
